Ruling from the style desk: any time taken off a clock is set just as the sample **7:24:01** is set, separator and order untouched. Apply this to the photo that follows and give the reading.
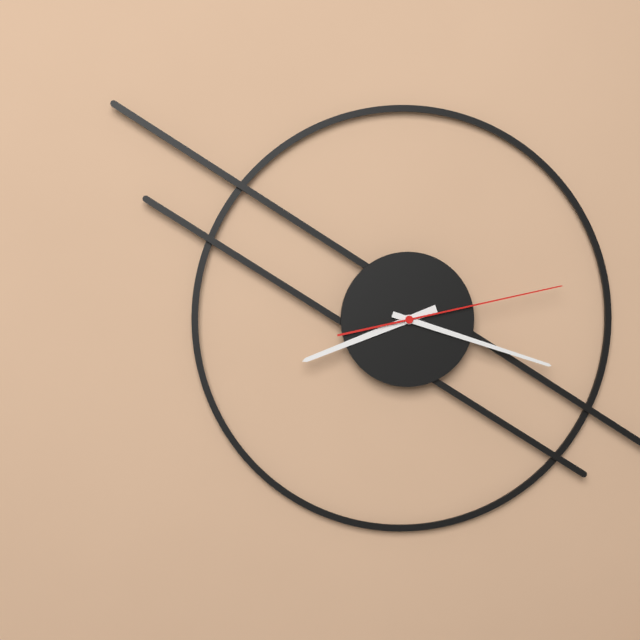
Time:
**8:18:13**
